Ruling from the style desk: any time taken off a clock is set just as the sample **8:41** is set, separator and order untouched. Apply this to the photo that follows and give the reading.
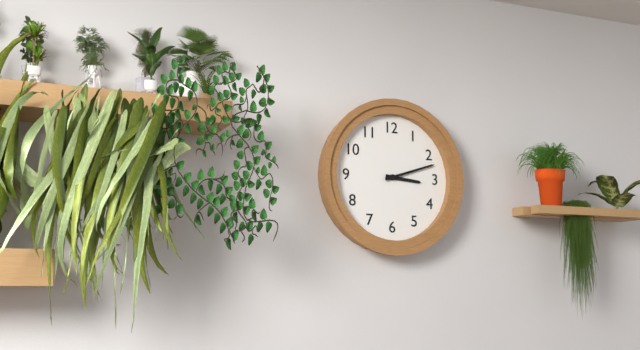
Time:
**3:12**
